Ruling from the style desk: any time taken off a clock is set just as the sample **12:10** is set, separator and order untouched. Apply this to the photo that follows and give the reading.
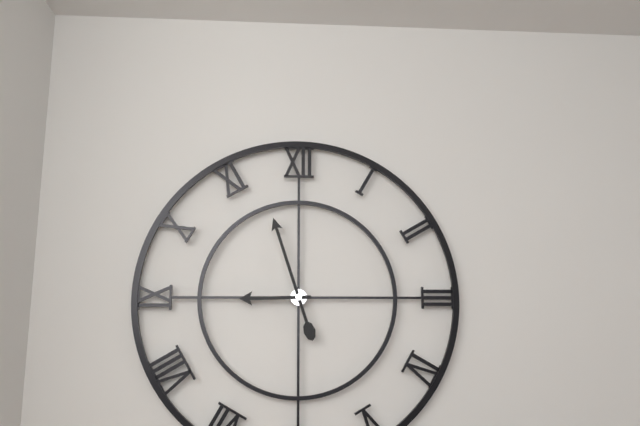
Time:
**8:57**
